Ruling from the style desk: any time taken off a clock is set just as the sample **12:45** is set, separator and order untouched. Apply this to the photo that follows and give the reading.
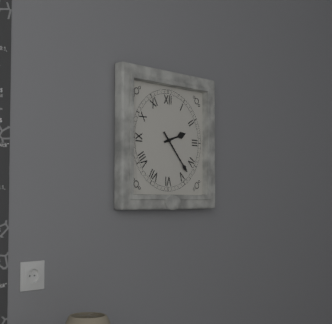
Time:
**2:23**
